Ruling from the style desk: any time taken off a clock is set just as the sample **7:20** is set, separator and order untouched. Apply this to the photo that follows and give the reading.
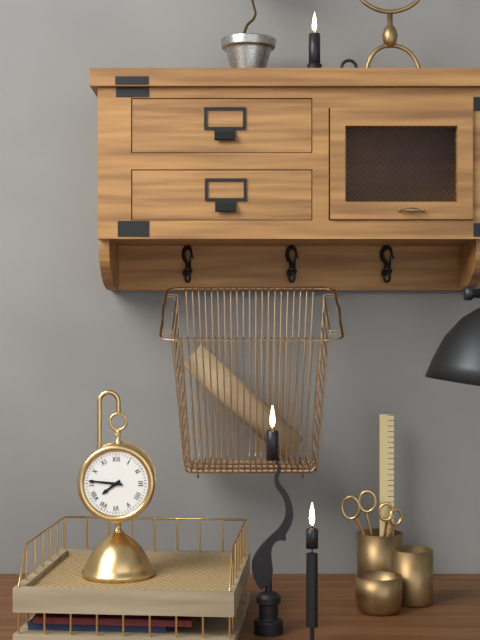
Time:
**7:46**
